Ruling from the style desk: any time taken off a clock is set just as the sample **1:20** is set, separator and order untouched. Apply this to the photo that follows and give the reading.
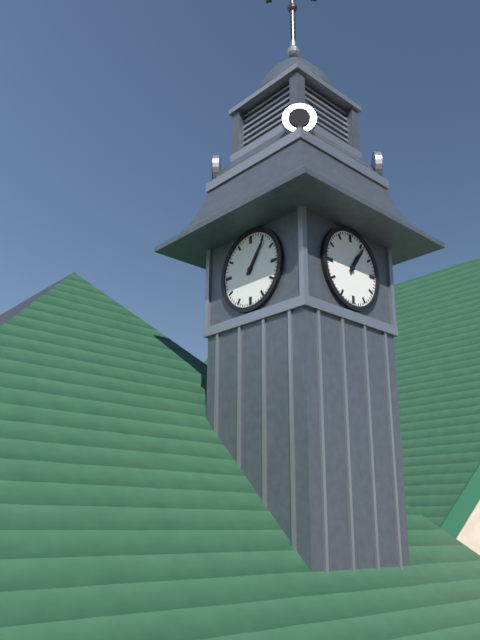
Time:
**1:06**
